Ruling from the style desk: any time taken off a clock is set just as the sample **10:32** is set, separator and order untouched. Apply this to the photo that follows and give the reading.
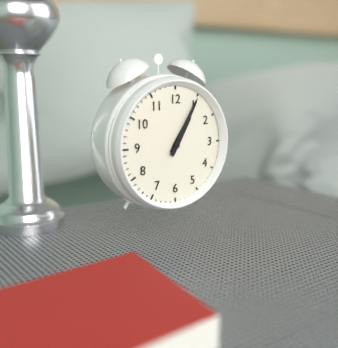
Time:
**1:05**
